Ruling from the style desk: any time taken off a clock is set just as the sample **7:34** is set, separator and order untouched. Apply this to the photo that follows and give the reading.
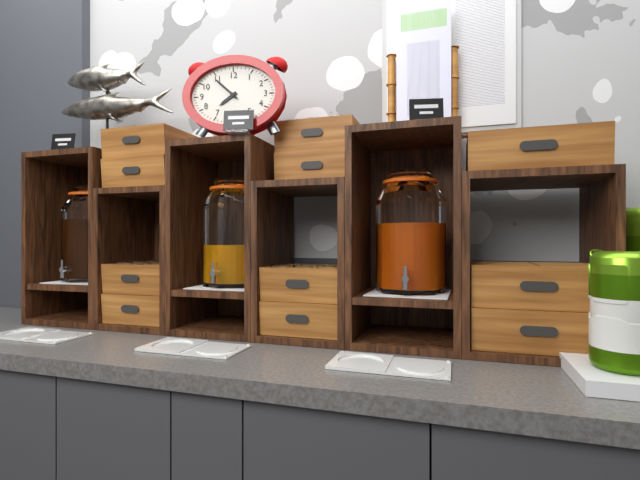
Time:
**7:52**
